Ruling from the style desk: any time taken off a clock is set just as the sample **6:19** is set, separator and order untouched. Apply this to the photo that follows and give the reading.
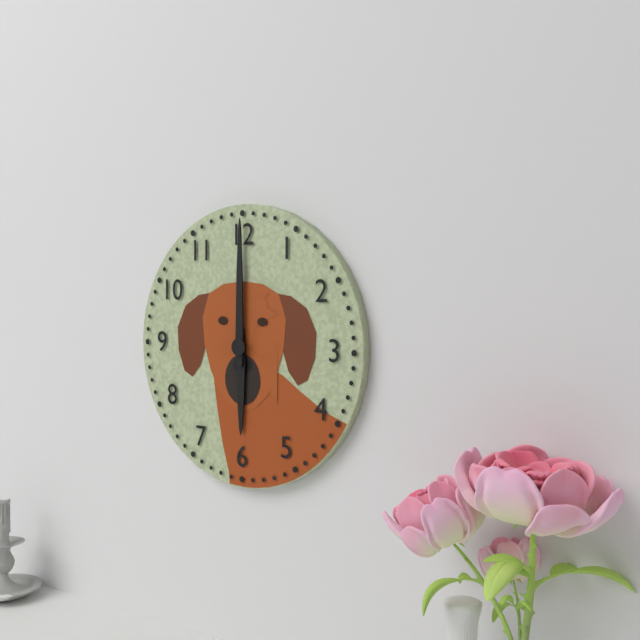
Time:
**6:00**
